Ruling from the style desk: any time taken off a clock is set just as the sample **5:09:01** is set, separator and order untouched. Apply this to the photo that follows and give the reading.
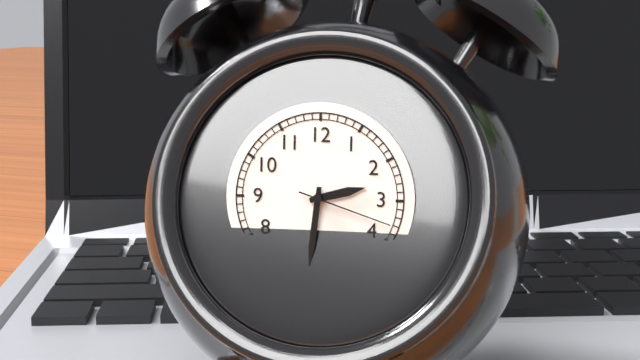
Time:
**2:31:18**
